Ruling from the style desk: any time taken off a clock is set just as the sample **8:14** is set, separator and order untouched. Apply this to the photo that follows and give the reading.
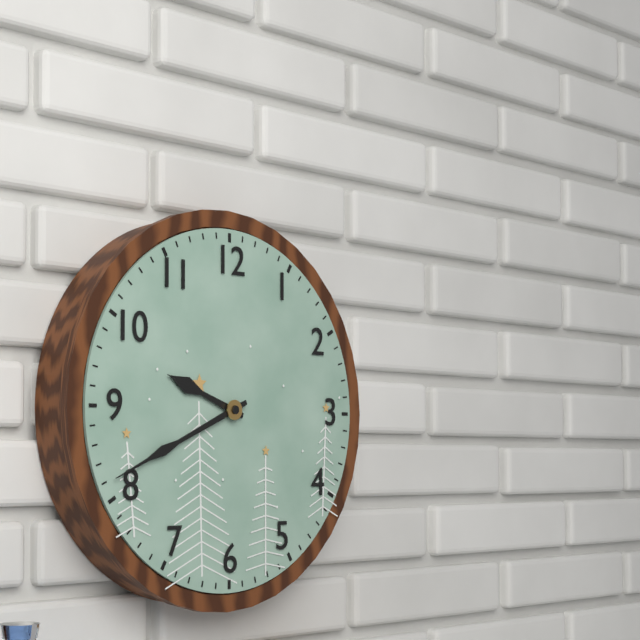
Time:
**9:41**
